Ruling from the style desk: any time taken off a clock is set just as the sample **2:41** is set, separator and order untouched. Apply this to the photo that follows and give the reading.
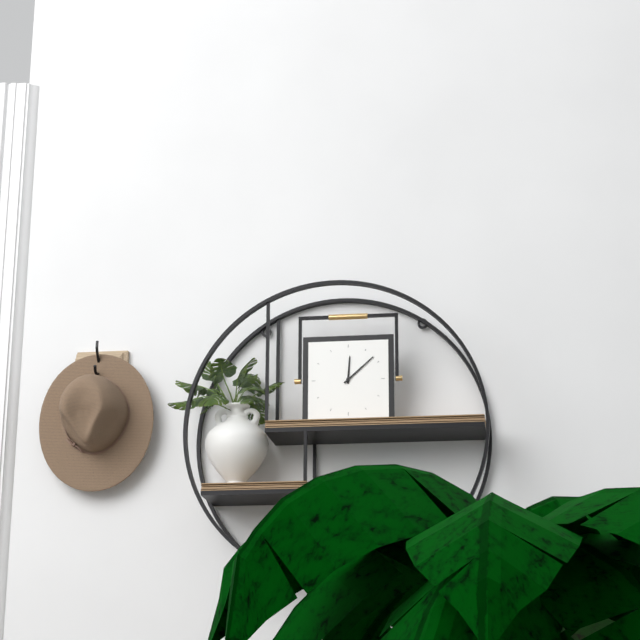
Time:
**12:08**
